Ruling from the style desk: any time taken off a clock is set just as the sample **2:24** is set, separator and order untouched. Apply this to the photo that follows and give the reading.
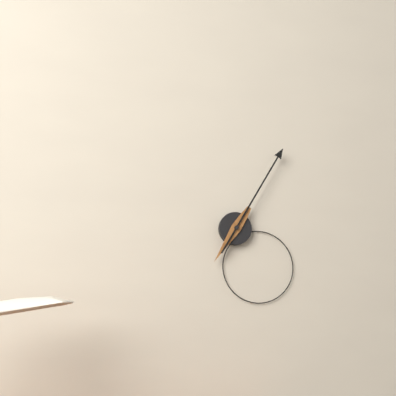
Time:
**7:05**
